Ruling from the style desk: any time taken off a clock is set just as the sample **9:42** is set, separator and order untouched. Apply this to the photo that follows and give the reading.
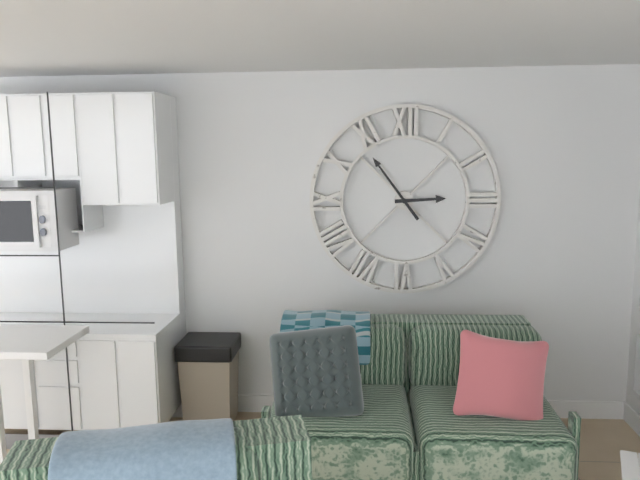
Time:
**2:54**
